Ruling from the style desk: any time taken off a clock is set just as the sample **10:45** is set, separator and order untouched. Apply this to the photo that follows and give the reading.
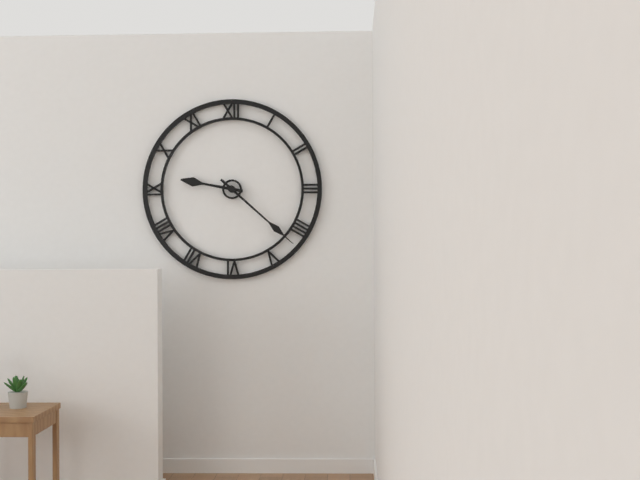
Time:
**9:22**
